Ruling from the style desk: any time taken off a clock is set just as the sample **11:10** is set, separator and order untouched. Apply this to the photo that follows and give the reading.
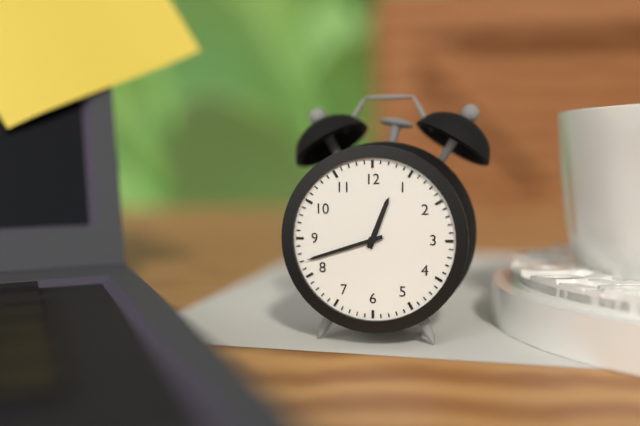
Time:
**12:42**
